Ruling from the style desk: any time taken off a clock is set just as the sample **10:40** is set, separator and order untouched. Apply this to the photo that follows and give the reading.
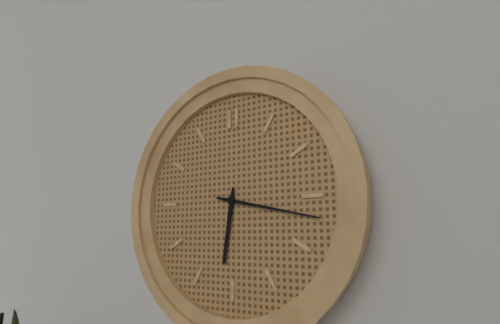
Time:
**6:17**
